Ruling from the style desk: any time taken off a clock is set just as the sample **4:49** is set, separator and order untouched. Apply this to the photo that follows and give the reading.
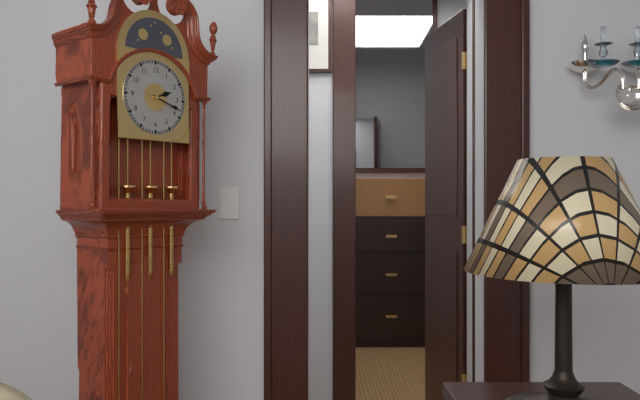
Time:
**2:18**
